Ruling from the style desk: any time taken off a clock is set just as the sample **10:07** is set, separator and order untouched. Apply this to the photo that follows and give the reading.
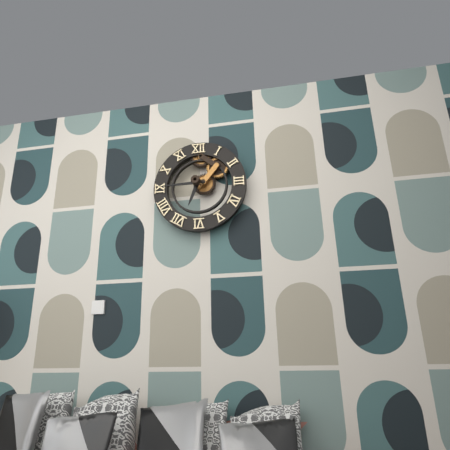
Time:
**6:45**
